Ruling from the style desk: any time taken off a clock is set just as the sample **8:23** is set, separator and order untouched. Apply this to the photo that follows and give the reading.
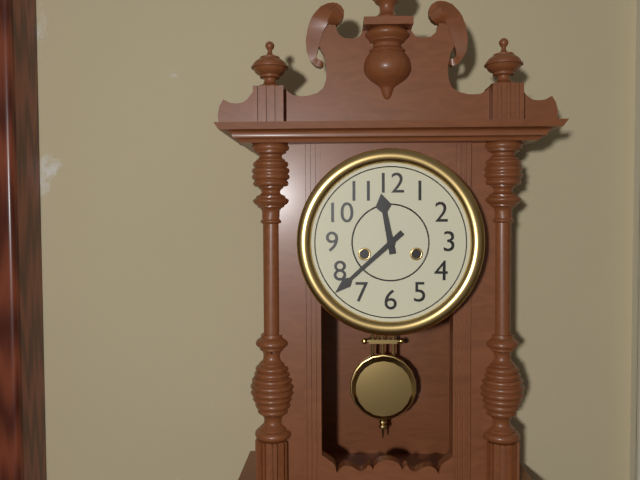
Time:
**11:38**
